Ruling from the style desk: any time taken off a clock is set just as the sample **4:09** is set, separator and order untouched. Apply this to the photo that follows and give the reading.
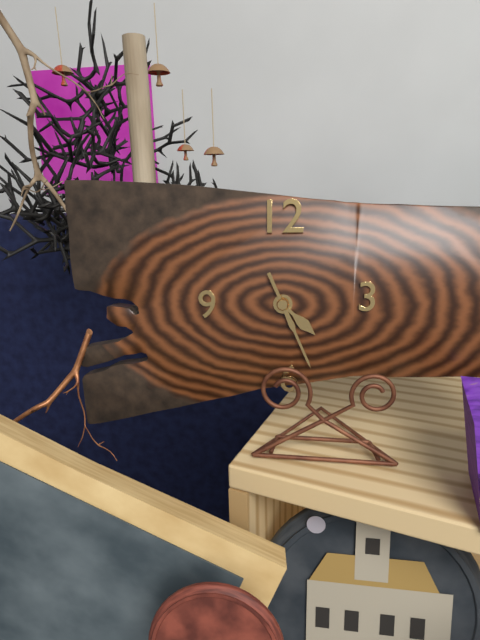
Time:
**4:26**
